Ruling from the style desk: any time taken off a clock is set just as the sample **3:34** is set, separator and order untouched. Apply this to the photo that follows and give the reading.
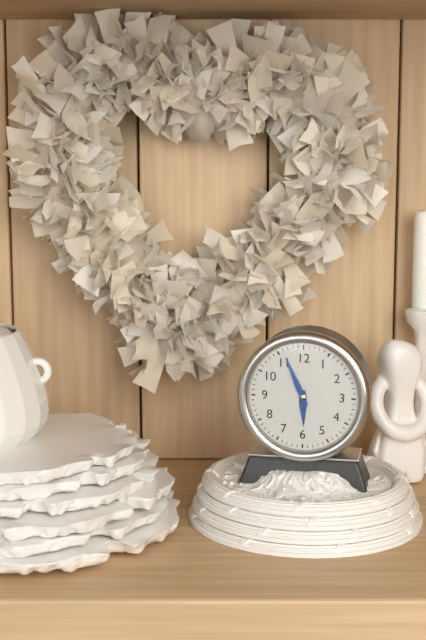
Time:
**5:56**
